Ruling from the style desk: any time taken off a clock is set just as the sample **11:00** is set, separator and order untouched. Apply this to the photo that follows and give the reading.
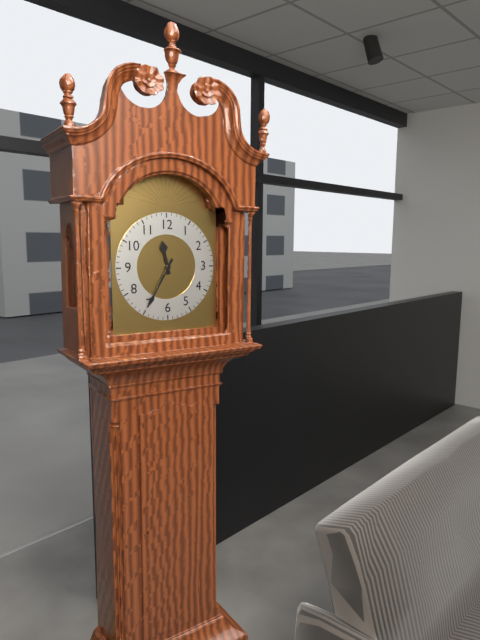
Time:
**11:35**
